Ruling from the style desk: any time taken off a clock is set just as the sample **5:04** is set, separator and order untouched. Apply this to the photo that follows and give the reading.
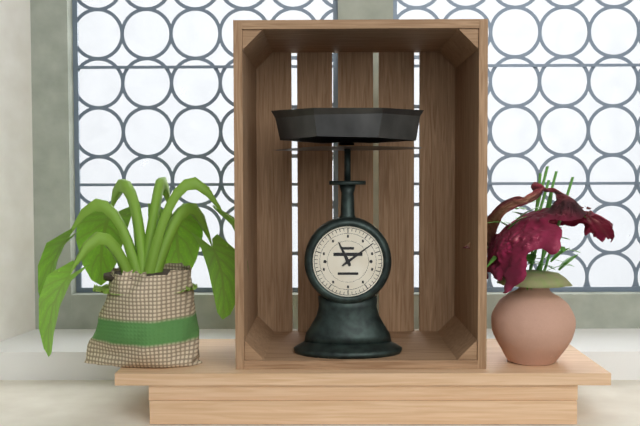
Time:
**11:09**
